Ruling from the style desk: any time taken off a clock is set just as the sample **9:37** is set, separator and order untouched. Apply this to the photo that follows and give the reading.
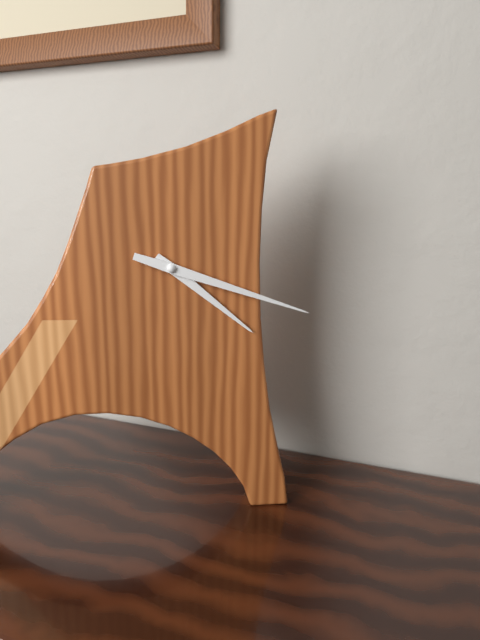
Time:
**4:18**
